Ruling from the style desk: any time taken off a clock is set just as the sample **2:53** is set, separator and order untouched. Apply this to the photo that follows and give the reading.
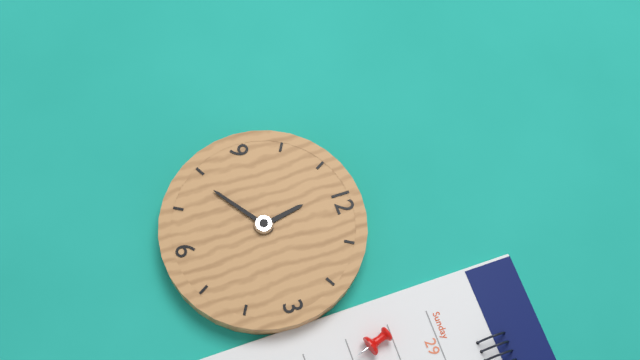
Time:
**11:39**
